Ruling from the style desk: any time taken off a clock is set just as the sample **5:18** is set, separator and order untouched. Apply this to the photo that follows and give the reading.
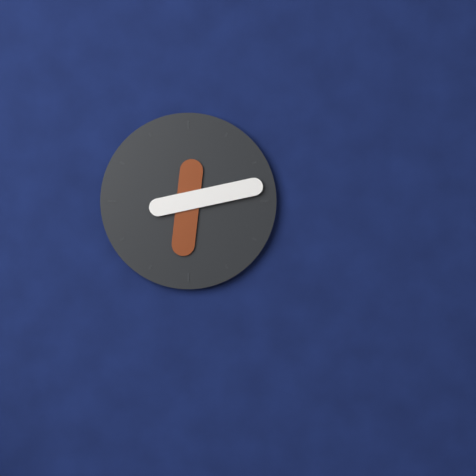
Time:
**6:13**
